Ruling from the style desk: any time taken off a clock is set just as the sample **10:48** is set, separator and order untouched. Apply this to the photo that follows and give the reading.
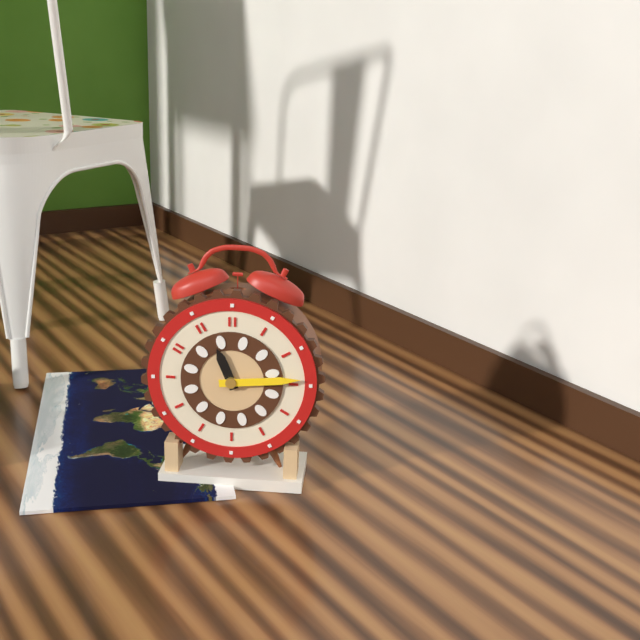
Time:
**11:14**
